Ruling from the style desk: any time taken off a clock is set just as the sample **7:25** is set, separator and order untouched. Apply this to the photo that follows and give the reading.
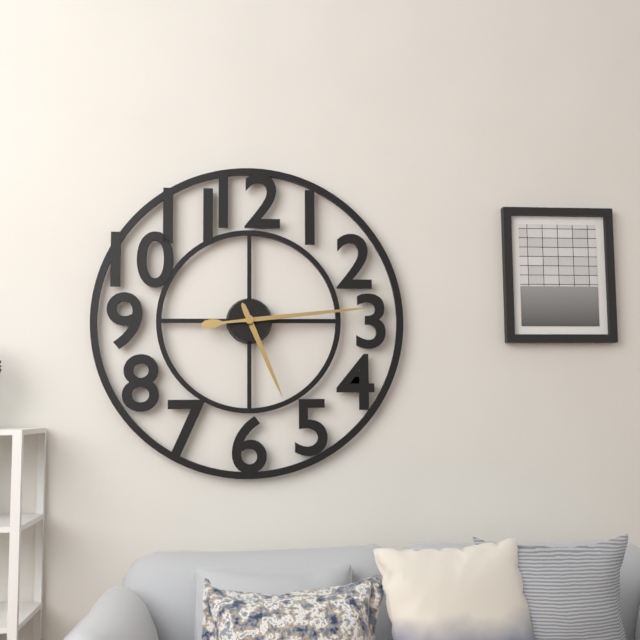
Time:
**5:14**
